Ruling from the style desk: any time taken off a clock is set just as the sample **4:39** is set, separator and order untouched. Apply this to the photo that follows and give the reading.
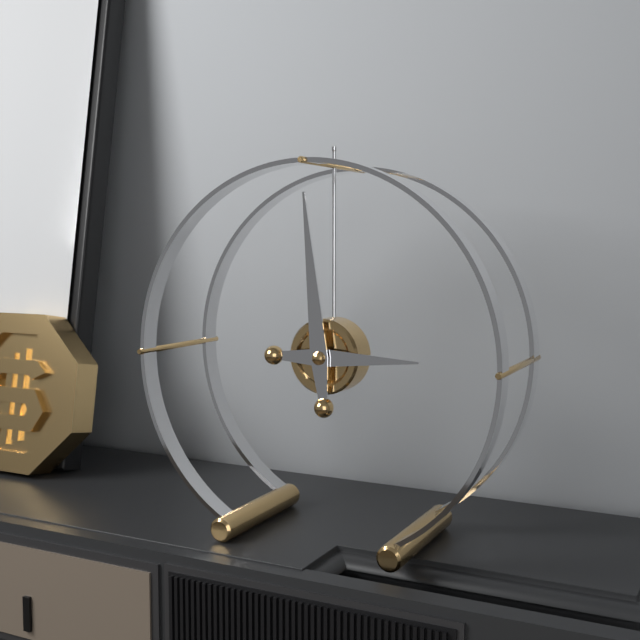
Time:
**2:59**
